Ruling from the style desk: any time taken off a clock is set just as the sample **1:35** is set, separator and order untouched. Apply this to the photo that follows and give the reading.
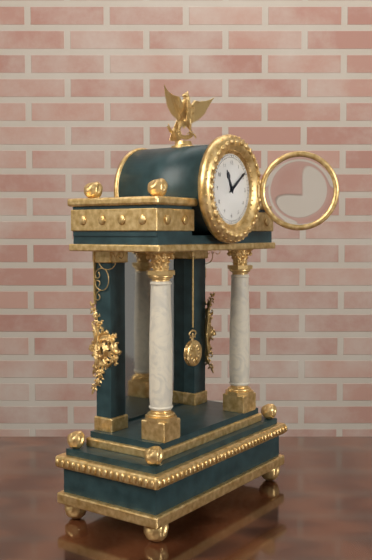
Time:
**11:09**
